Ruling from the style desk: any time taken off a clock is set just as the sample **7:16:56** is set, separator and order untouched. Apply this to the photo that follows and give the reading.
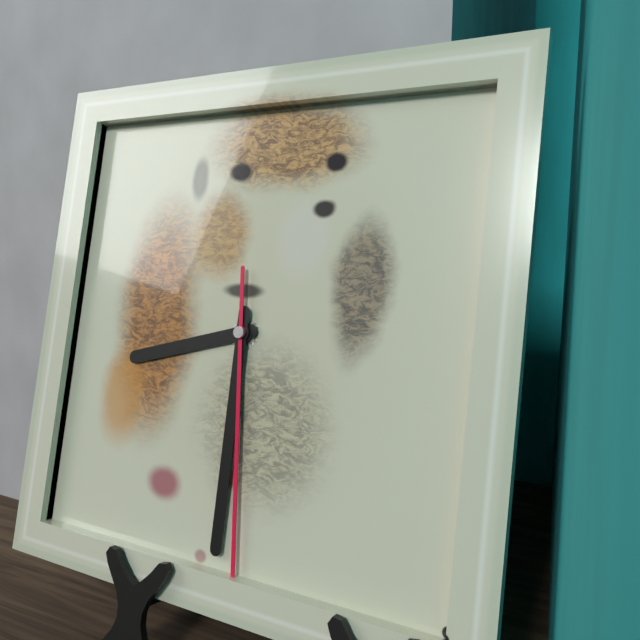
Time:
**8:30:29**
